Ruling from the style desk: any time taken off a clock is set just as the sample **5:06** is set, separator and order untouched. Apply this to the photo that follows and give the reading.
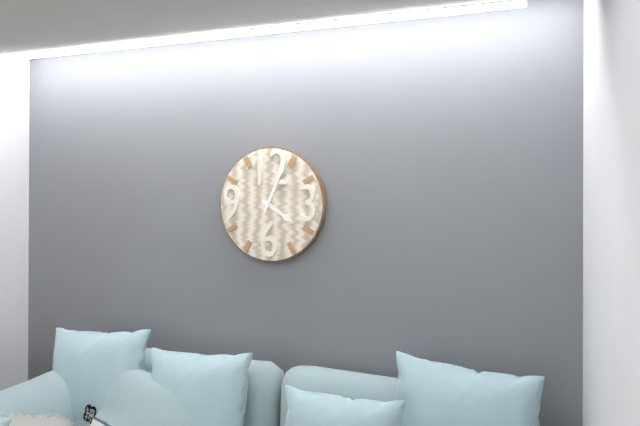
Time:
**4:04**
